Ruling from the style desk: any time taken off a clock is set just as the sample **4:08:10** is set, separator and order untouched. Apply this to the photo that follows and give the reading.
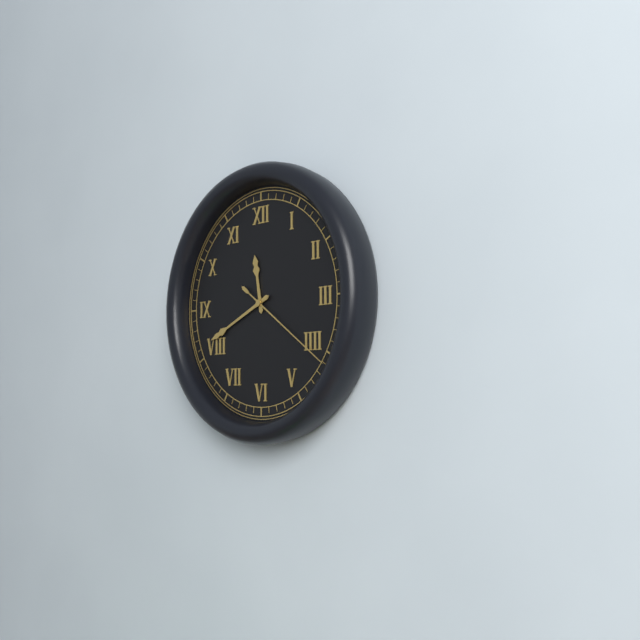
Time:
**11:41:21**
